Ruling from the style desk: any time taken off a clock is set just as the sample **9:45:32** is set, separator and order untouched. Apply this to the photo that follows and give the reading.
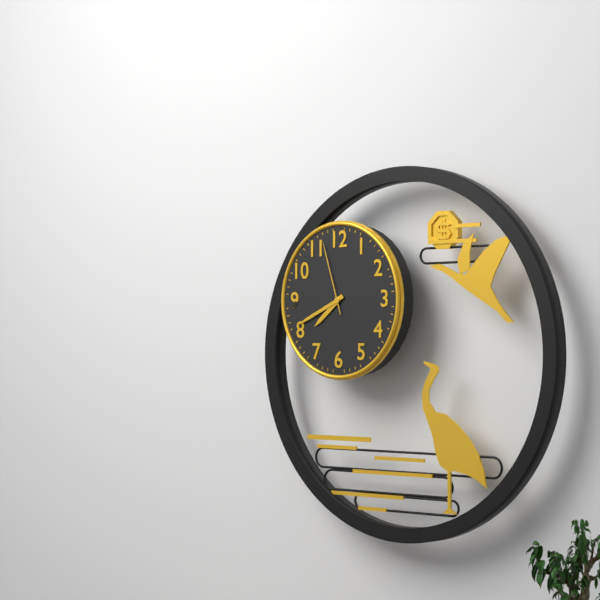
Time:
**7:41:57**
